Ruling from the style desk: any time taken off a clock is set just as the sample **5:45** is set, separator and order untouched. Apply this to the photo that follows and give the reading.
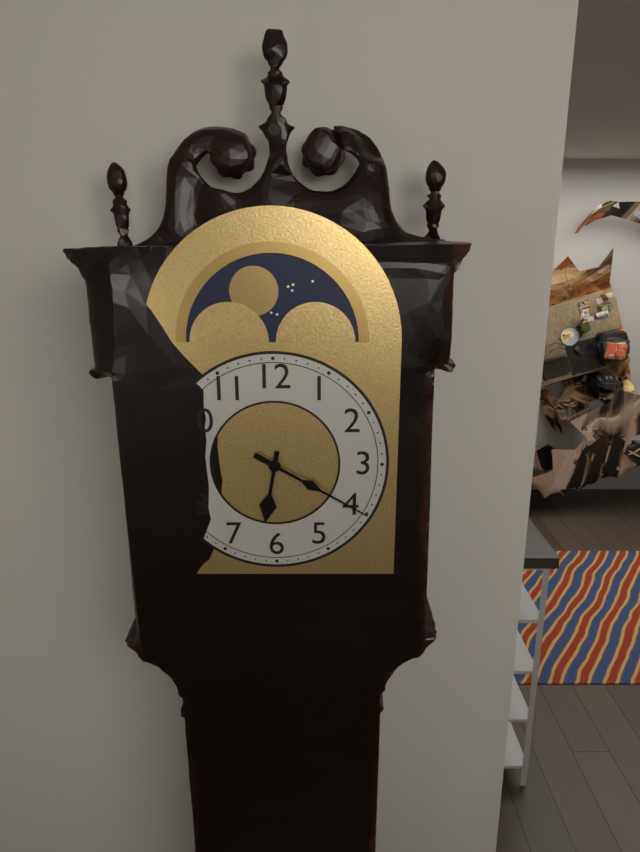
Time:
**6:20**
